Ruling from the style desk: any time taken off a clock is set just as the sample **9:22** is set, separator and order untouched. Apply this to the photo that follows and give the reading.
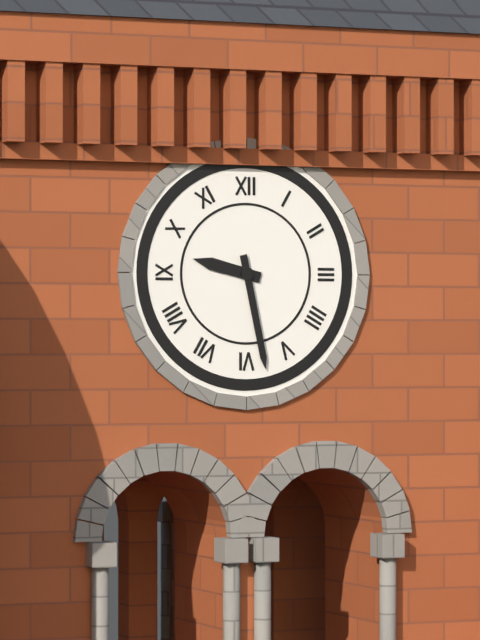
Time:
**9:28**
